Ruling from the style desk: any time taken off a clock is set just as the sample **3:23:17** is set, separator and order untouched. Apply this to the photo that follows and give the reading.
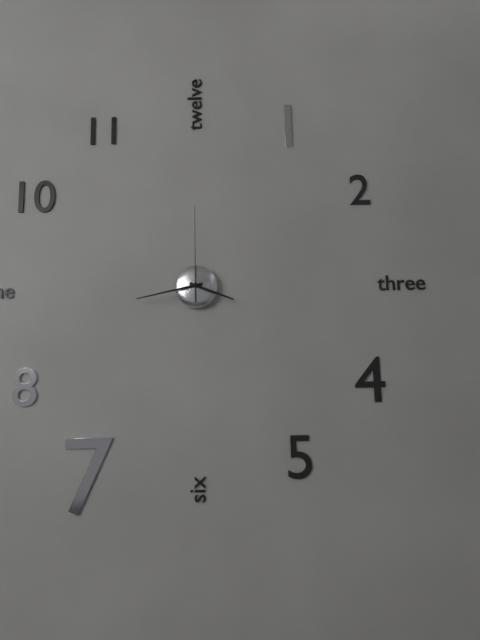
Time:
**3:43:00**
